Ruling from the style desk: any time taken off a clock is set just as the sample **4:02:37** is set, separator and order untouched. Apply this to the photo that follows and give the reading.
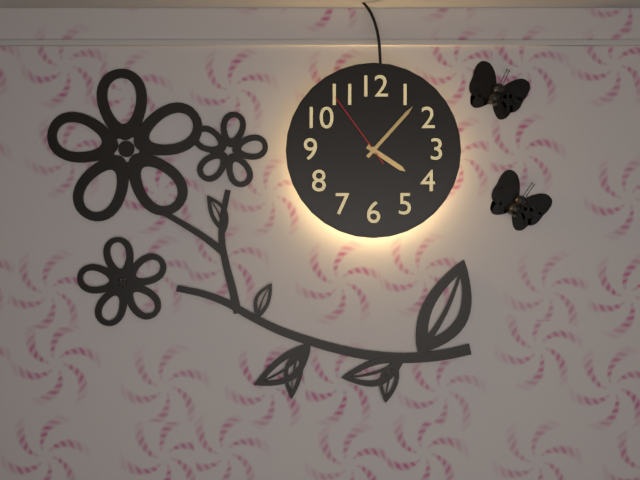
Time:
**4:07:54**
